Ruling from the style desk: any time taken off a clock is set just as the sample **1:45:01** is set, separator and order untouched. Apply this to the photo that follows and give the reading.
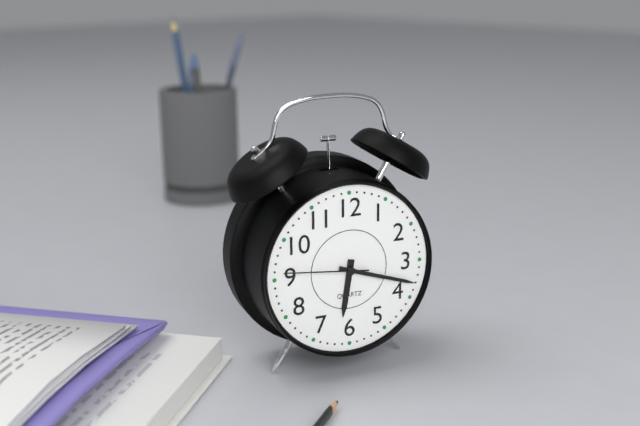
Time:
**6:18:46**
